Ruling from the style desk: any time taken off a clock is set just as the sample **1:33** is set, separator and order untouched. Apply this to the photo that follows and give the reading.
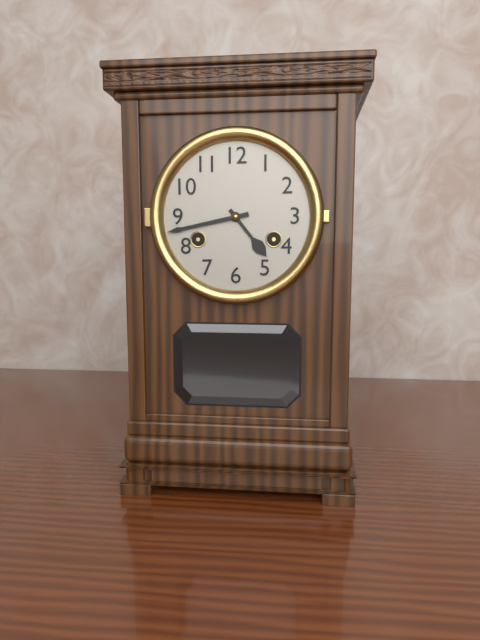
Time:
**4:43**
